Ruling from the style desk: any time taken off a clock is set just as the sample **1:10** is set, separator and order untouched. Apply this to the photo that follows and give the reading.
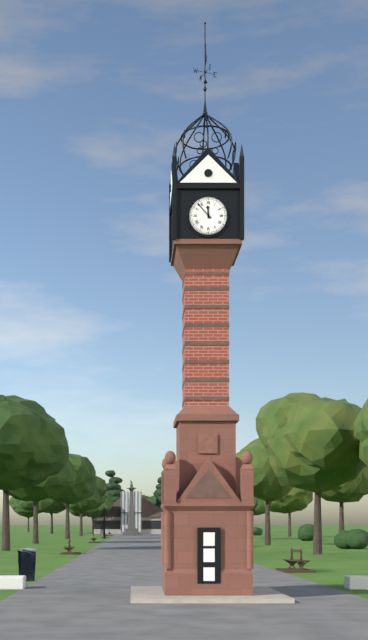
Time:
**11:53**
